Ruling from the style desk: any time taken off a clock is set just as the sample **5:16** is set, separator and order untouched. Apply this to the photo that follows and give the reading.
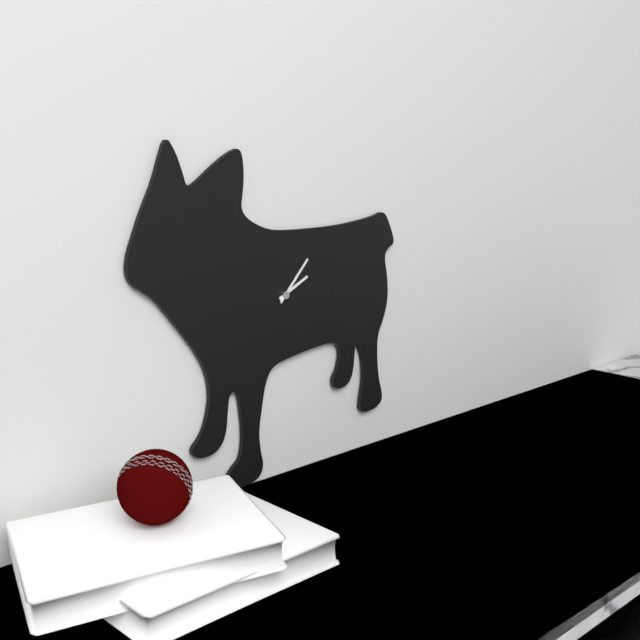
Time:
**2:07**
